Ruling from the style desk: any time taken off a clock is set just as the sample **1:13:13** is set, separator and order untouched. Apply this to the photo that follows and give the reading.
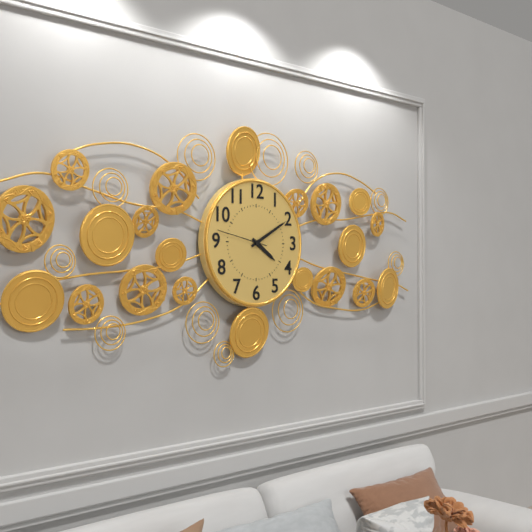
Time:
**4:10:47**
